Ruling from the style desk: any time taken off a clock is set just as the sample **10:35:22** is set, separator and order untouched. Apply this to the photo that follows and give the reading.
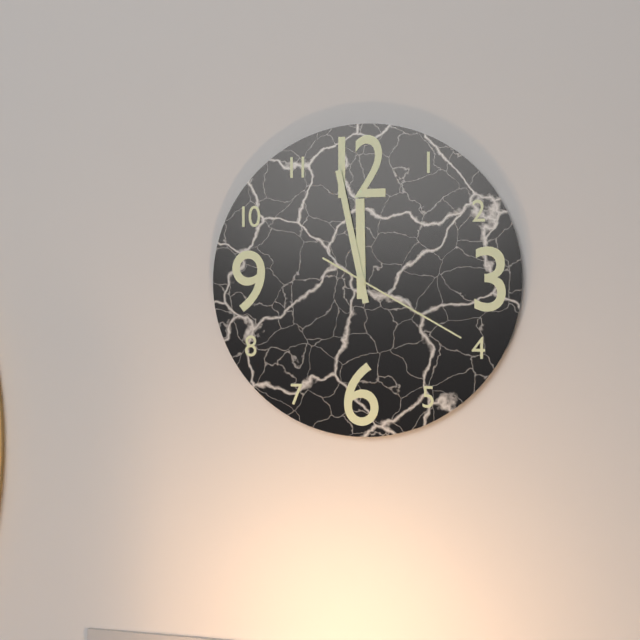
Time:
**11:58:20**
